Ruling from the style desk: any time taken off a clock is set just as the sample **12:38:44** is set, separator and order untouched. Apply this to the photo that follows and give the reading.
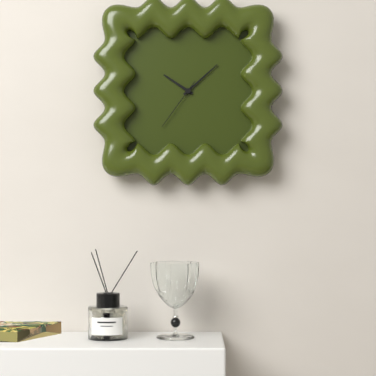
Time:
**10:08:36**
